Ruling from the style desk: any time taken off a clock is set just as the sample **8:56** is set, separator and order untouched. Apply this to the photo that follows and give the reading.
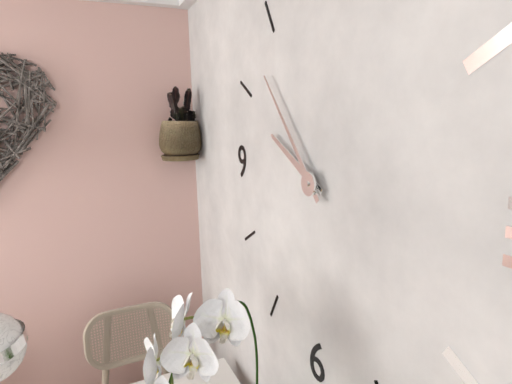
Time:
**9:53**
